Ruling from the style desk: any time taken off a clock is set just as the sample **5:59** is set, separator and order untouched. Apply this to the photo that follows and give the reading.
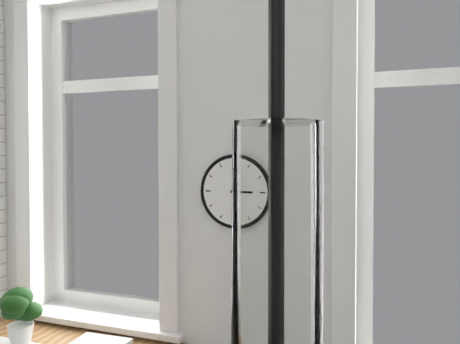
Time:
**3:01**
